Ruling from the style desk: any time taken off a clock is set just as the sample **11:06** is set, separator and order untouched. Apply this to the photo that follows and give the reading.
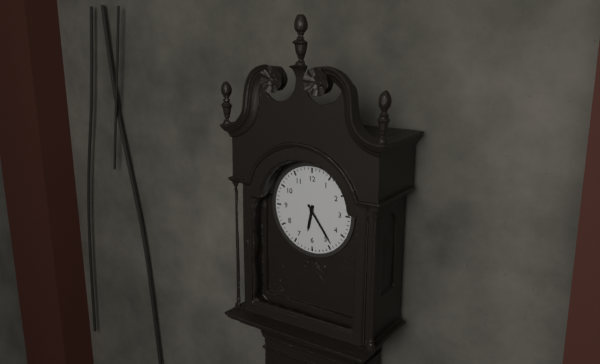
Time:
**6:24**
